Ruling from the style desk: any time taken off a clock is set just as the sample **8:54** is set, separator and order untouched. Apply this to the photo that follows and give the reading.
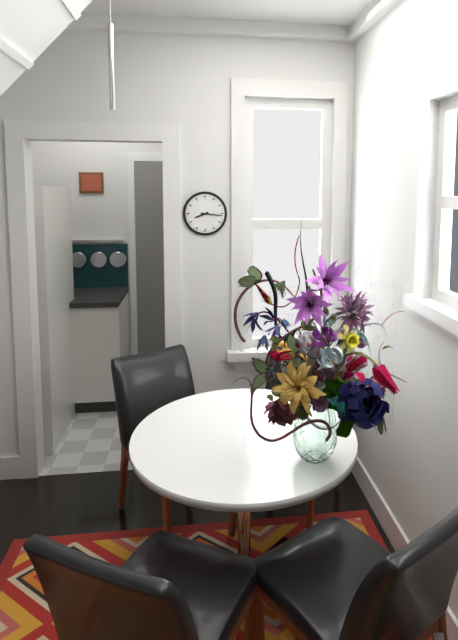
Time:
**8:16**
